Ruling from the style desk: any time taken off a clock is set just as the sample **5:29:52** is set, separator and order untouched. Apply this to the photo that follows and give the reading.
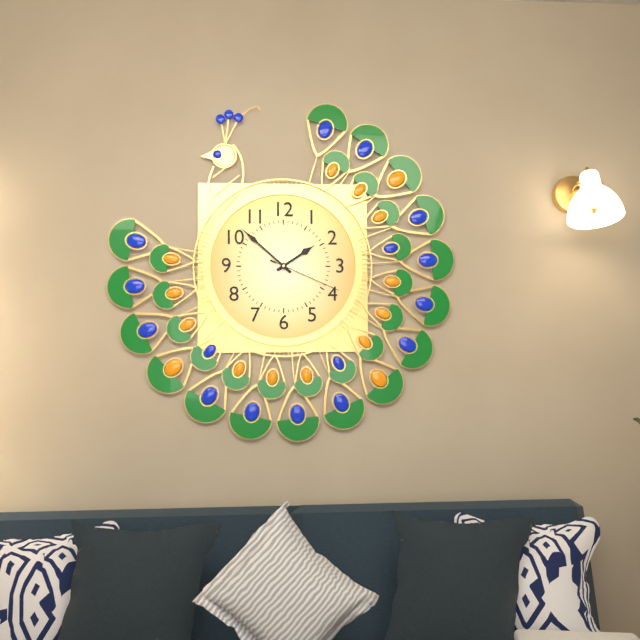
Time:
**1:52:19**
